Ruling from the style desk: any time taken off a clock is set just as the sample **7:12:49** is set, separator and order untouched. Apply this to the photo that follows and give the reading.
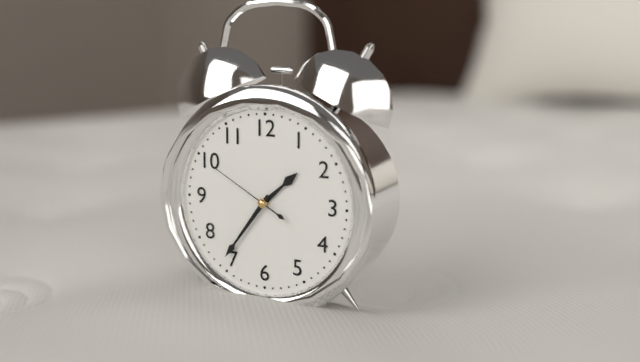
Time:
**1:36:50**
